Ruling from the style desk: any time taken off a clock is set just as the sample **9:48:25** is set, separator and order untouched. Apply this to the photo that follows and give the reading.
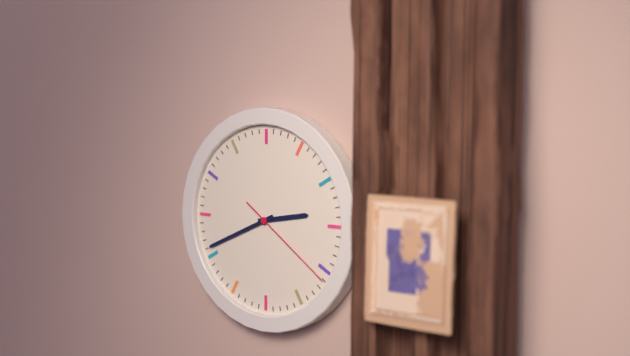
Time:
**2:41:21**
